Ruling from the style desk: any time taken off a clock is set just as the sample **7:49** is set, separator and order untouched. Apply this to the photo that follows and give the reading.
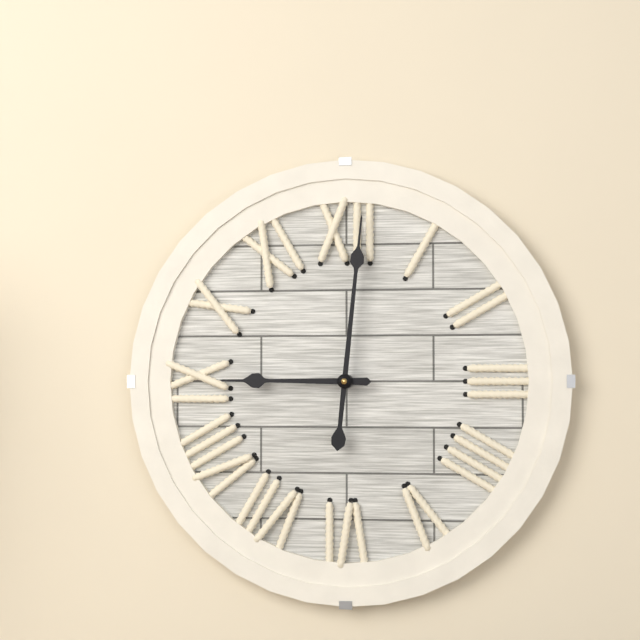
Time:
**9:01**
